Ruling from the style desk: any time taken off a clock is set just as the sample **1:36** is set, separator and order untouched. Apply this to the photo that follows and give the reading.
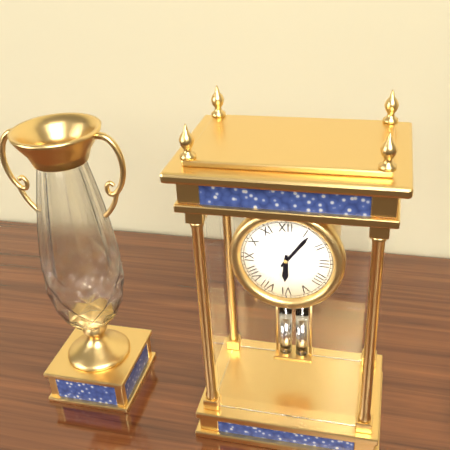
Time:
**6:06**
